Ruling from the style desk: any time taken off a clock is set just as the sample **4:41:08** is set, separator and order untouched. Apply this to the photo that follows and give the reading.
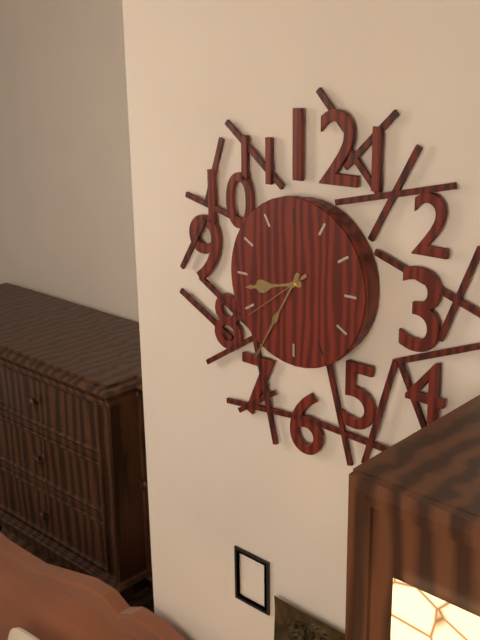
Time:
**8:35:39**
